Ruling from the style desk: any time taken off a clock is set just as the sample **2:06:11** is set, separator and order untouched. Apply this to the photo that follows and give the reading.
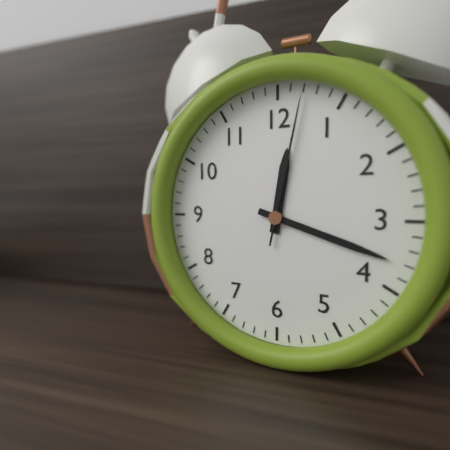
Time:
**12:18:02**
